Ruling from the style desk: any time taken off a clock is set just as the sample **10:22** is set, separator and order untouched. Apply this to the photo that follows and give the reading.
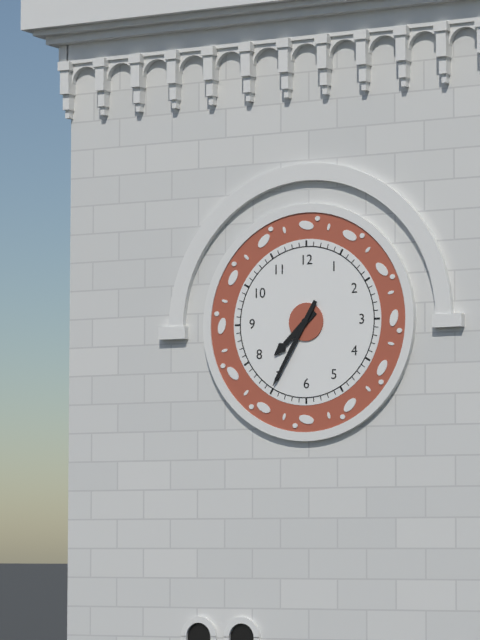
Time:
**7:35**
